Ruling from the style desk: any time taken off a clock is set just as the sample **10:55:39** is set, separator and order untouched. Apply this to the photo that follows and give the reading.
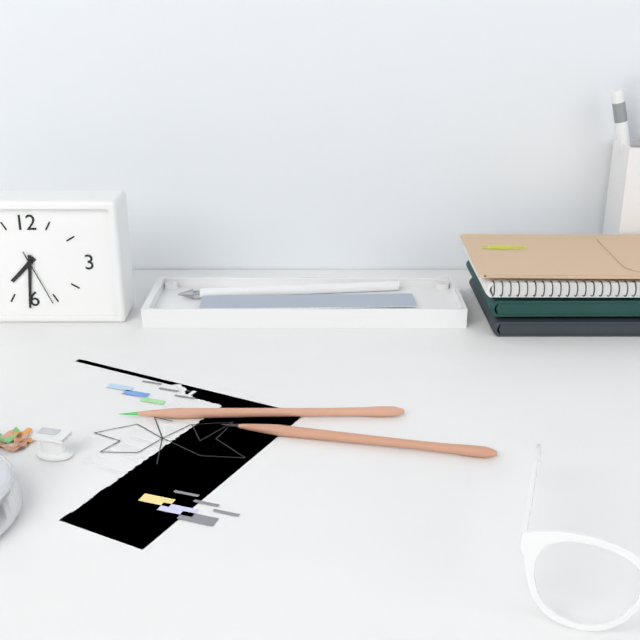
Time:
**7:31:26**
